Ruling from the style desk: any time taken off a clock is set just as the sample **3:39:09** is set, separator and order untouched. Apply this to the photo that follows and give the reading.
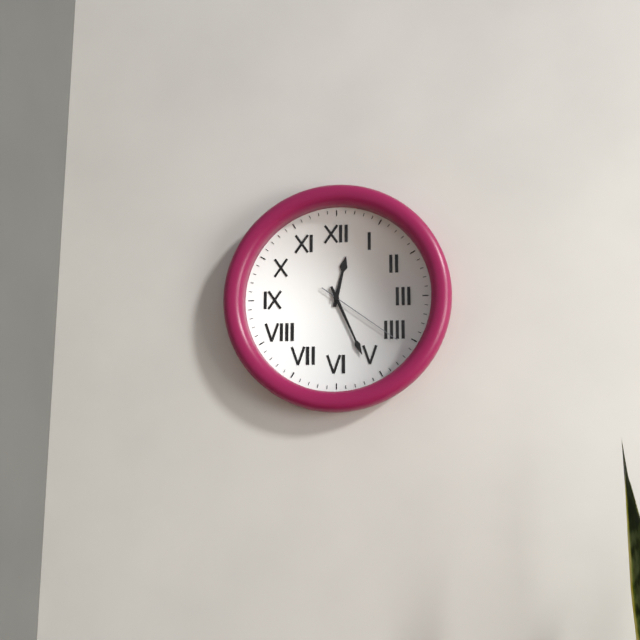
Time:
**12:26:21**
